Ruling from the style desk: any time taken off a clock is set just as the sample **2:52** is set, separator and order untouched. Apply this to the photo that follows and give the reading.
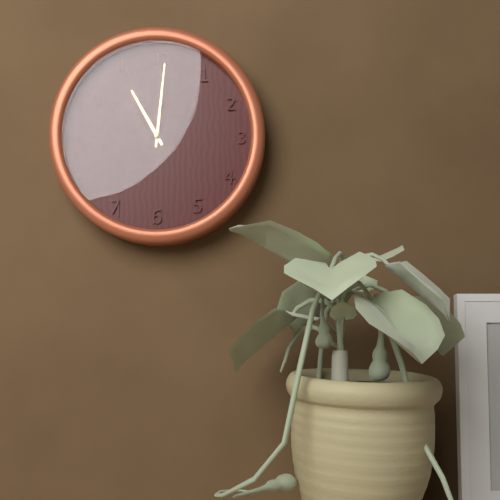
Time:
**11:01**
